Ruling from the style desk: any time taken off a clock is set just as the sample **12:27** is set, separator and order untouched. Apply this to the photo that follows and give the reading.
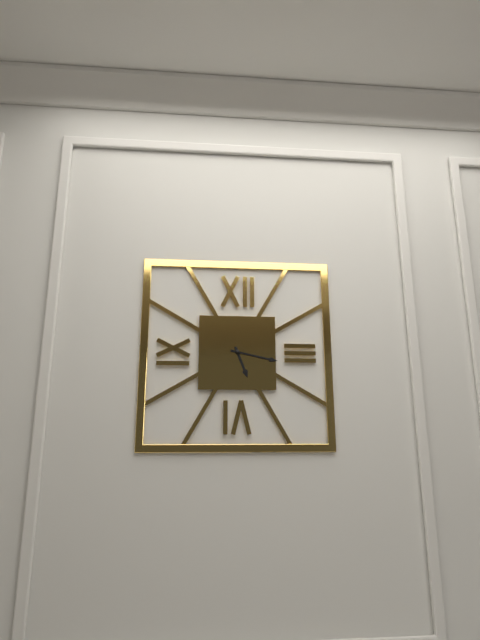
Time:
**5:17**
